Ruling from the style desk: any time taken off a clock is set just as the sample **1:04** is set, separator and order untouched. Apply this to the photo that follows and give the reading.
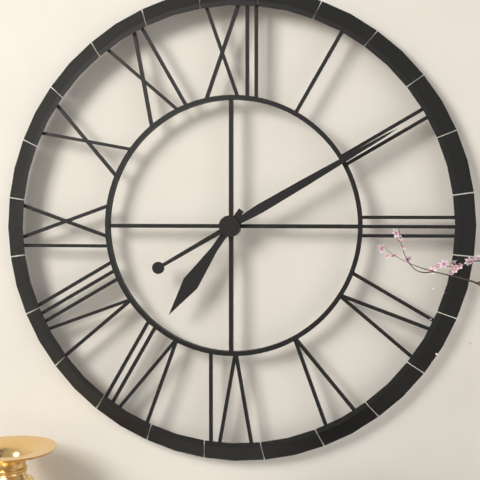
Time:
**7:10**
